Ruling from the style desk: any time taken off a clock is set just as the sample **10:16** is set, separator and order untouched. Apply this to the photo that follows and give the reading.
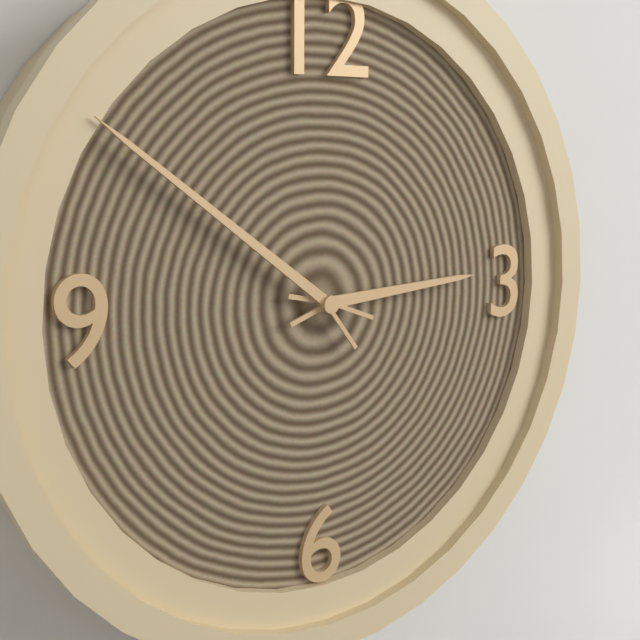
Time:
**2:51**
